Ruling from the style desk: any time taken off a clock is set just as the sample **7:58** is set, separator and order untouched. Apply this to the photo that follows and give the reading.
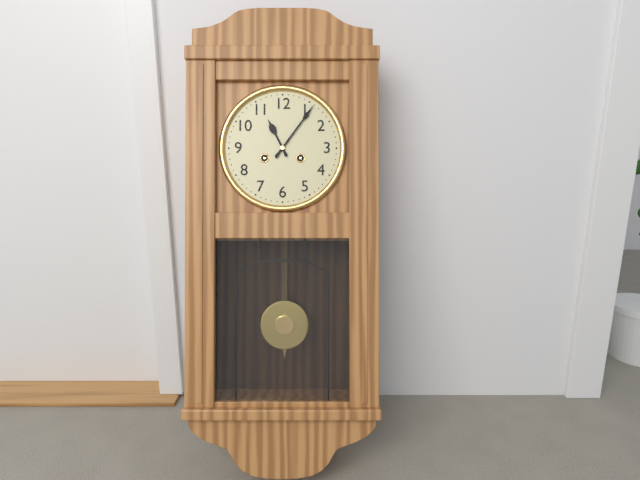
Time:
**11:06**
